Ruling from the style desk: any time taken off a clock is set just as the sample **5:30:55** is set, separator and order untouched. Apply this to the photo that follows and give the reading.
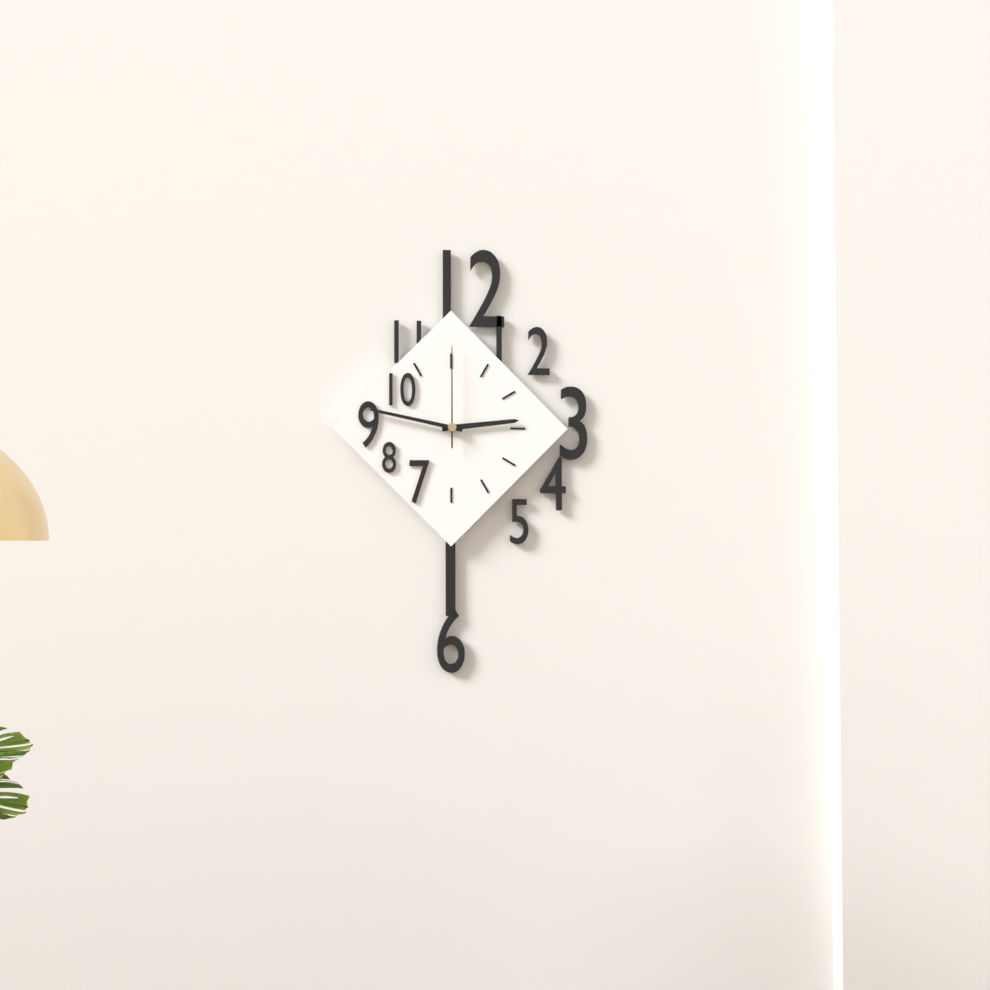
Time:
**2:47:00**
